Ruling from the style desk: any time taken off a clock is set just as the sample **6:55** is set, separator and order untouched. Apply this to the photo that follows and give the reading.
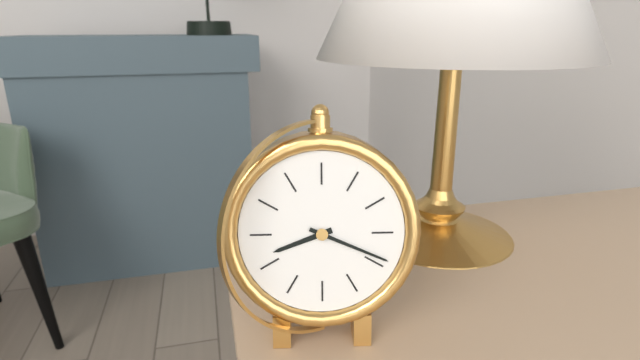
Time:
**8:19**
